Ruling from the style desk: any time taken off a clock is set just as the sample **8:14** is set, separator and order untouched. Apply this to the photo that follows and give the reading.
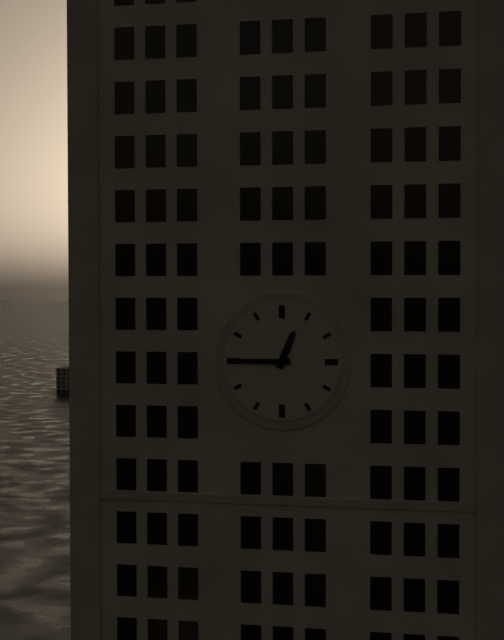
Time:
**12:45**
